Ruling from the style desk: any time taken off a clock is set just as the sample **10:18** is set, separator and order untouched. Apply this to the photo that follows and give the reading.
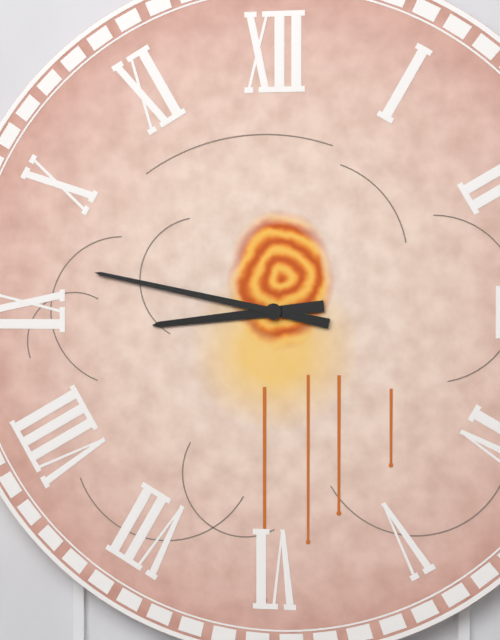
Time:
**8:47**
